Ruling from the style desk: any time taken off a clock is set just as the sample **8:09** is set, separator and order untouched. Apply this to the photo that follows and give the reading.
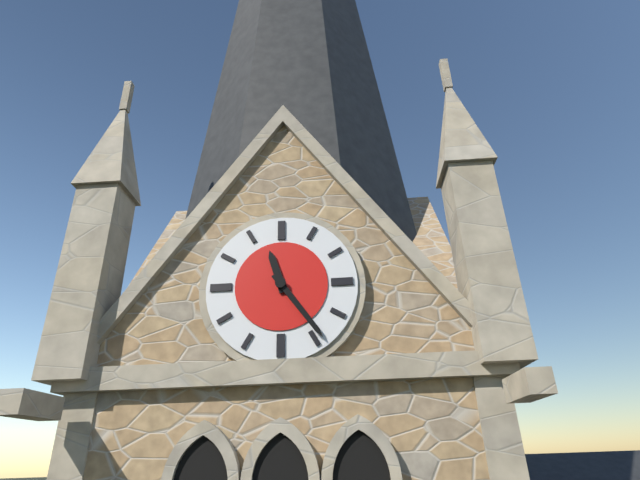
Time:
**11:24**
